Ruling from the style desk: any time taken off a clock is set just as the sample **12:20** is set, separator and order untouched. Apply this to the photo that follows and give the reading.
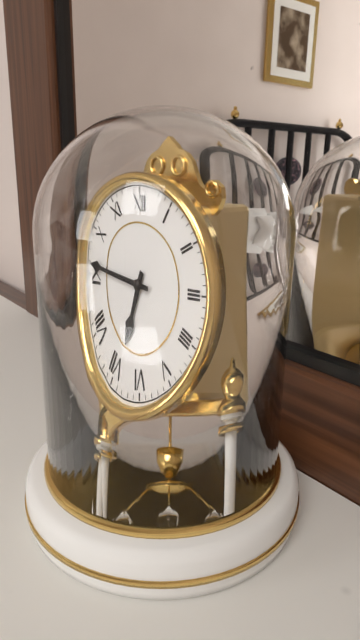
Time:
**6:46**
